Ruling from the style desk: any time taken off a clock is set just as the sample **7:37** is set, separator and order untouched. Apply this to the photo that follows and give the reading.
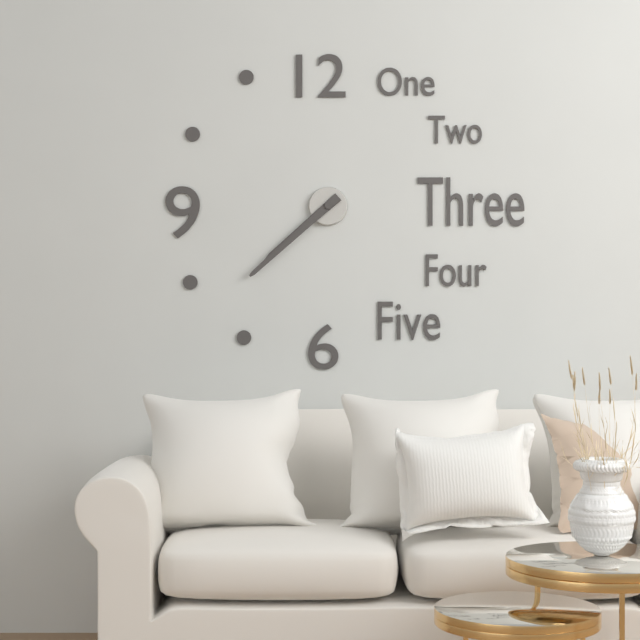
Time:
**7:38**
